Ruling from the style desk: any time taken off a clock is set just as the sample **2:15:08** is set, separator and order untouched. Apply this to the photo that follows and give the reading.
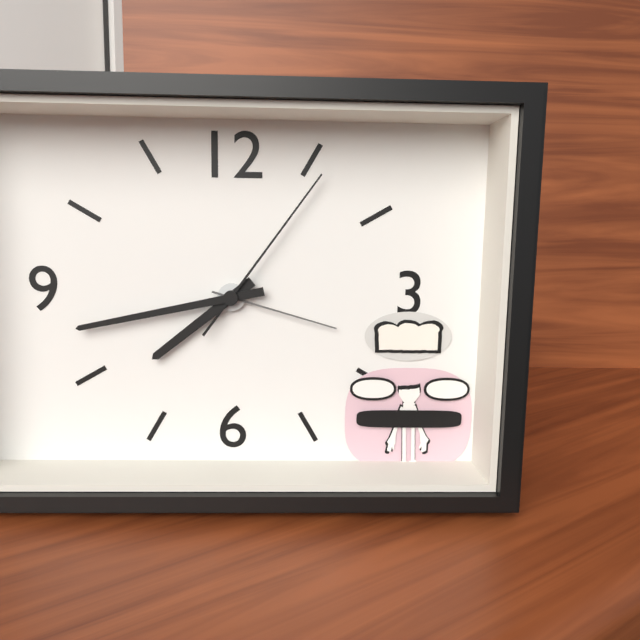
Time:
**7:43:06**
